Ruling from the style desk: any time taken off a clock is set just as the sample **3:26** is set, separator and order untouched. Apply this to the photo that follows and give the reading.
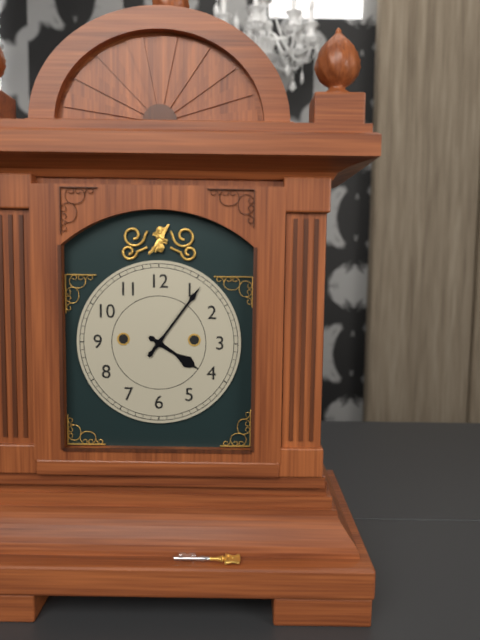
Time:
**4:06**
